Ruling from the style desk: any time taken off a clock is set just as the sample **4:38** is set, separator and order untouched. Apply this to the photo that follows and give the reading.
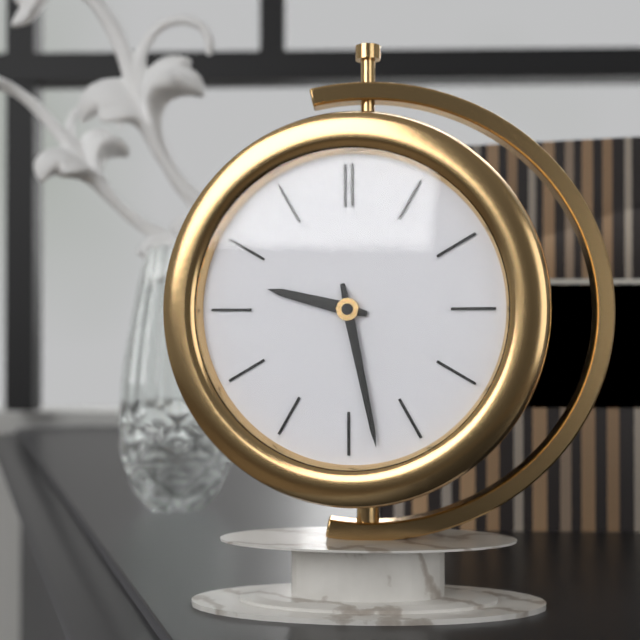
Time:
**9:28**
